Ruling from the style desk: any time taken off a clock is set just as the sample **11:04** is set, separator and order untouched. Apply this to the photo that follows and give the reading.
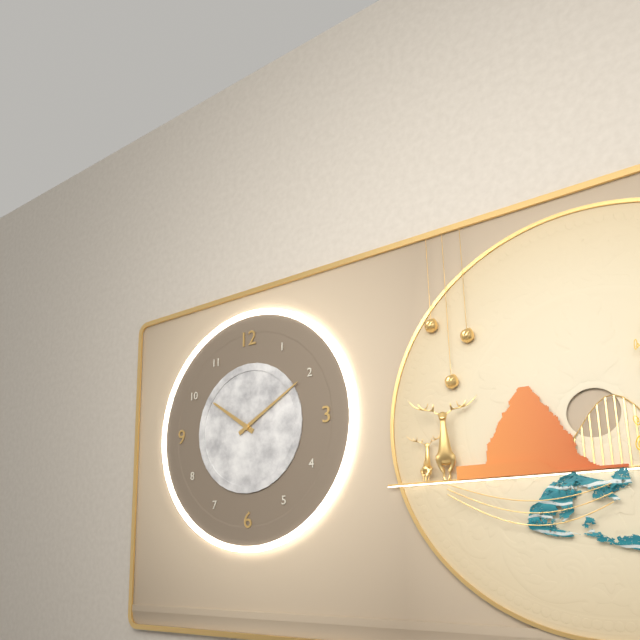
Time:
**10:10**
